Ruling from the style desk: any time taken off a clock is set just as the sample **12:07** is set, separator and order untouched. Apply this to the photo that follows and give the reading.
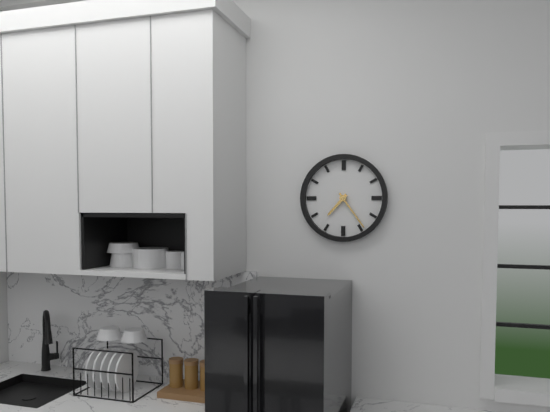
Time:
**7:24**
